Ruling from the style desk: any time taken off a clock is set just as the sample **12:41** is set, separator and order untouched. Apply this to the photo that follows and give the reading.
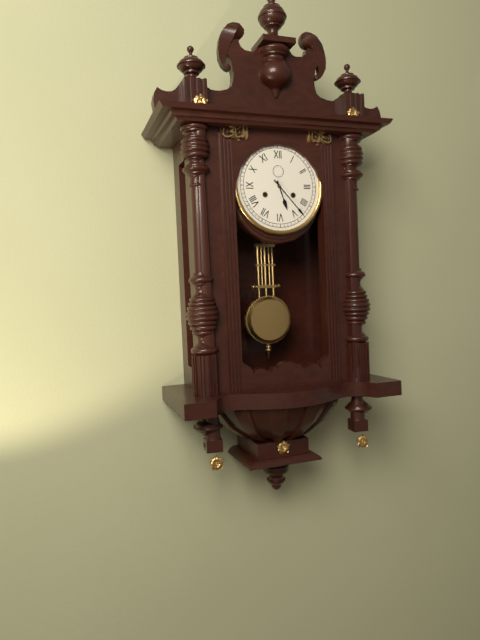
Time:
**5:23**
